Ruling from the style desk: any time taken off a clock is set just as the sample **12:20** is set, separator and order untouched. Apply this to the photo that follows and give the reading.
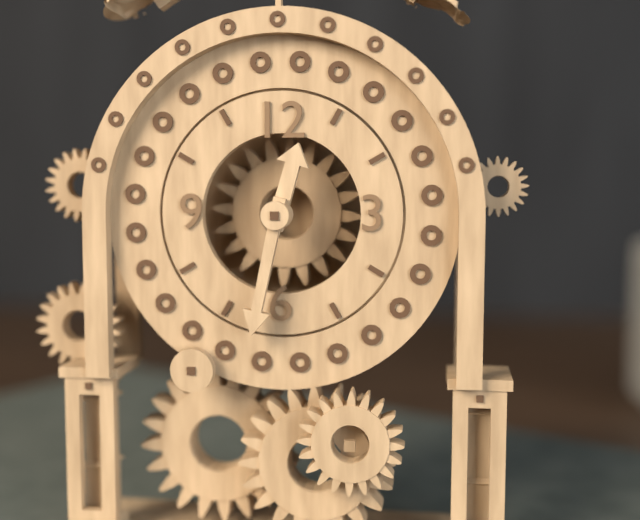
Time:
**12:32**
